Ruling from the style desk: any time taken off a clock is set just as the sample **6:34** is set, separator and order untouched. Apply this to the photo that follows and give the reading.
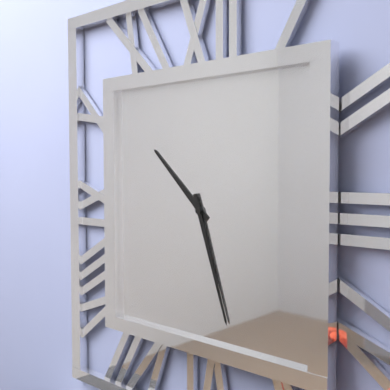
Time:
**10:27**
